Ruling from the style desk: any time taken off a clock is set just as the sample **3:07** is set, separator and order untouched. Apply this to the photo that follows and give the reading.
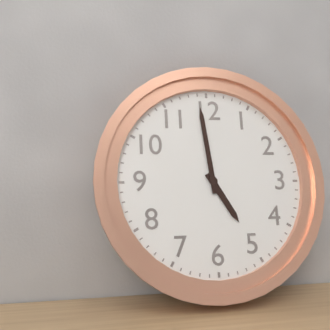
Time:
**4:59**
